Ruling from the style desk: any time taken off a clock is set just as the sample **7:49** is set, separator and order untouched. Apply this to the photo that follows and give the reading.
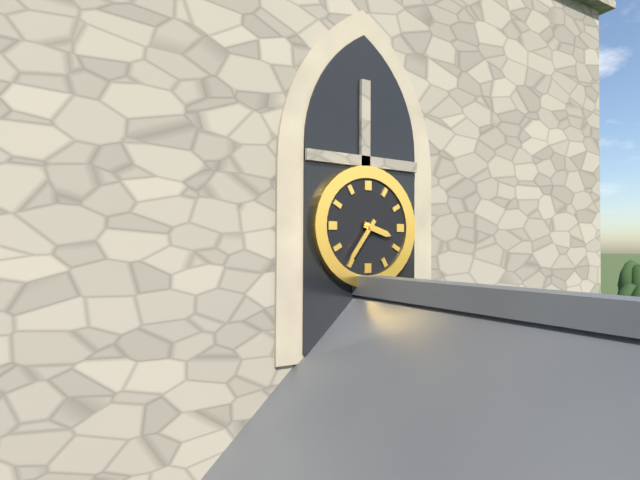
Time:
**3:36**
